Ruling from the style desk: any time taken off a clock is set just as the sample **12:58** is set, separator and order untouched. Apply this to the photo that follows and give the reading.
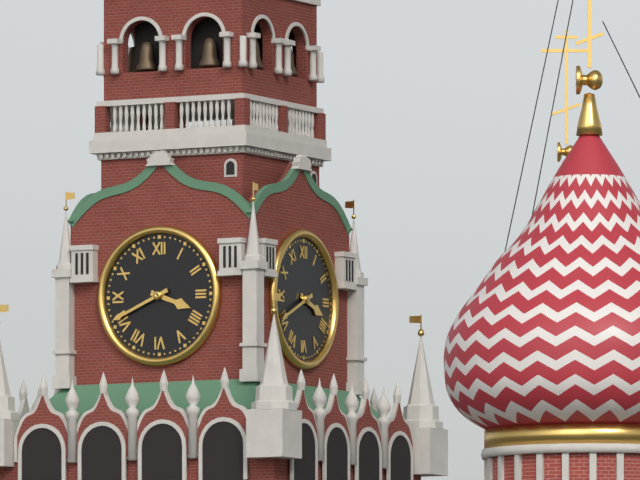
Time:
**3:41**
